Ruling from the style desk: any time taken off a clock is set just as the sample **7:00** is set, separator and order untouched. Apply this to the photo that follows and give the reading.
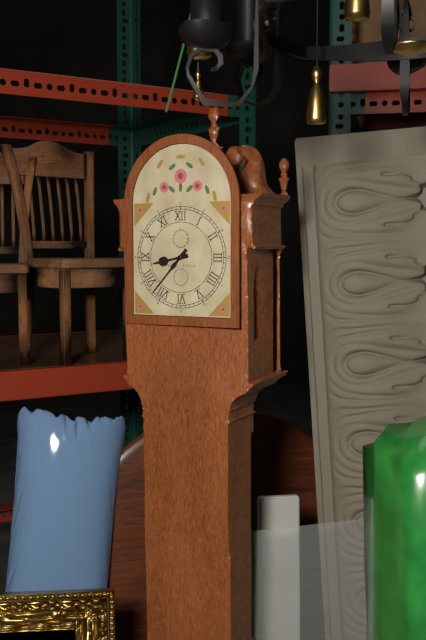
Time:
**8:37**
